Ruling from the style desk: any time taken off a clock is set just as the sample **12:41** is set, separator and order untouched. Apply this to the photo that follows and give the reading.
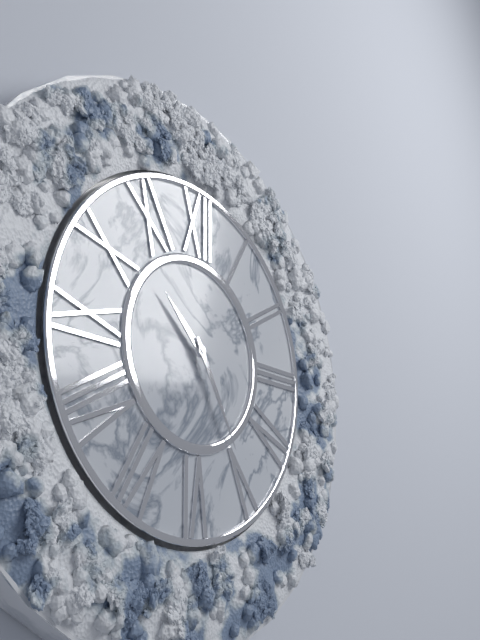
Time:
**10:25**
